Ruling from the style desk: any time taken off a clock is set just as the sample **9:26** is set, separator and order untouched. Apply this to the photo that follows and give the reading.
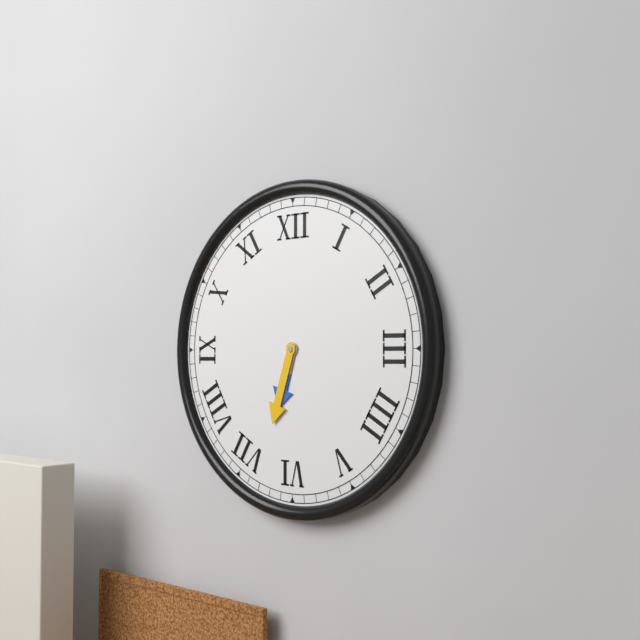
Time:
**6:33**
